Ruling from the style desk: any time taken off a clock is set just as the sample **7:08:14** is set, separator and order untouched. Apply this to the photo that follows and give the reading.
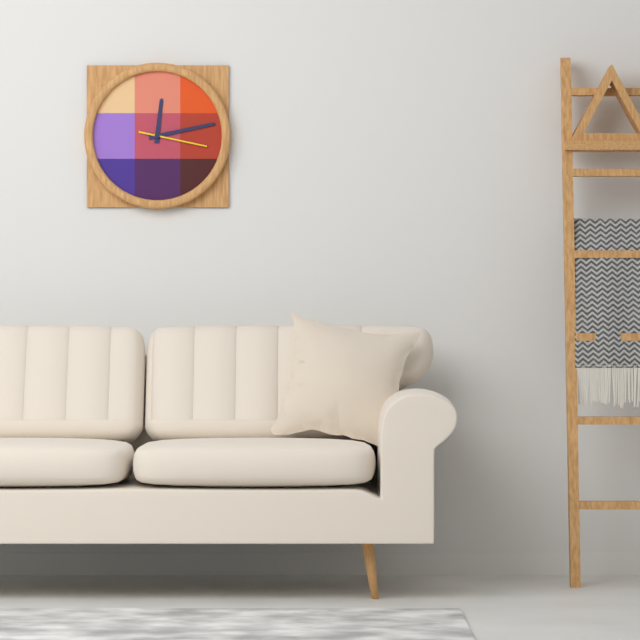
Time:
**12:13:17**
